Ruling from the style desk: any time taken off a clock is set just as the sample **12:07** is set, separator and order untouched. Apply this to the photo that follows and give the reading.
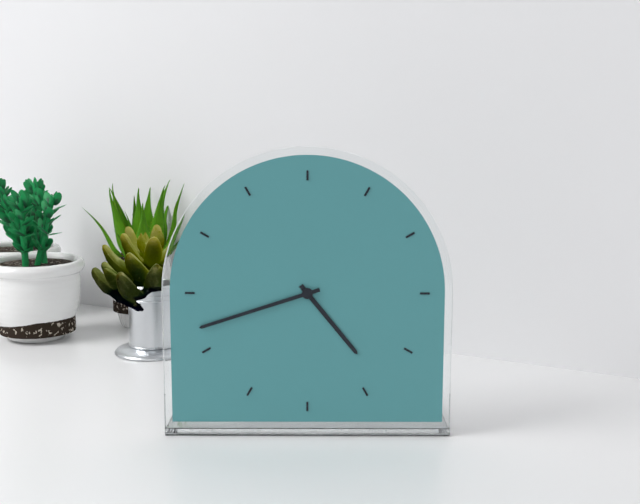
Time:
**4:42**
